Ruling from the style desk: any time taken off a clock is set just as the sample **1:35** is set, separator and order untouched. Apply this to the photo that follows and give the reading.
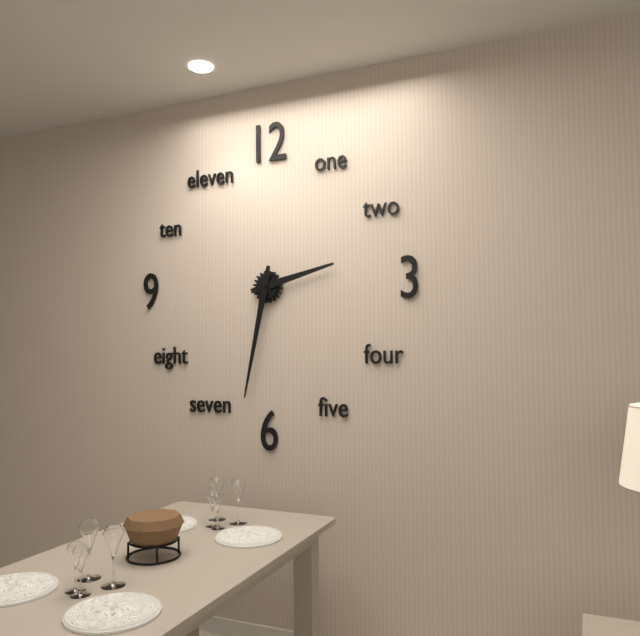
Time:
**2:32**
